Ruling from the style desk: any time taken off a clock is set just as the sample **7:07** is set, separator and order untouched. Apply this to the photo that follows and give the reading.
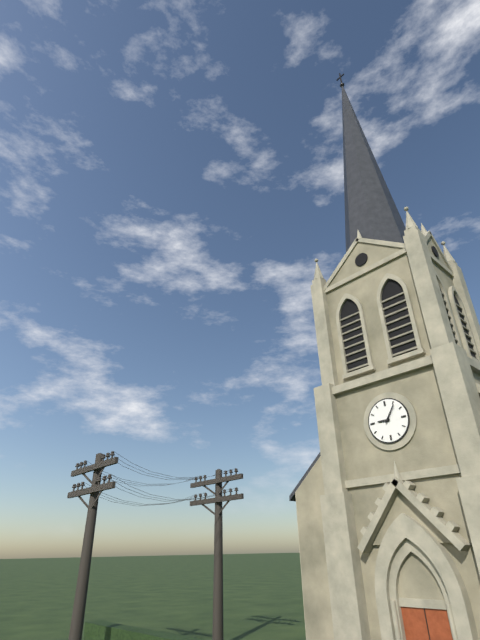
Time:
**9:06**
